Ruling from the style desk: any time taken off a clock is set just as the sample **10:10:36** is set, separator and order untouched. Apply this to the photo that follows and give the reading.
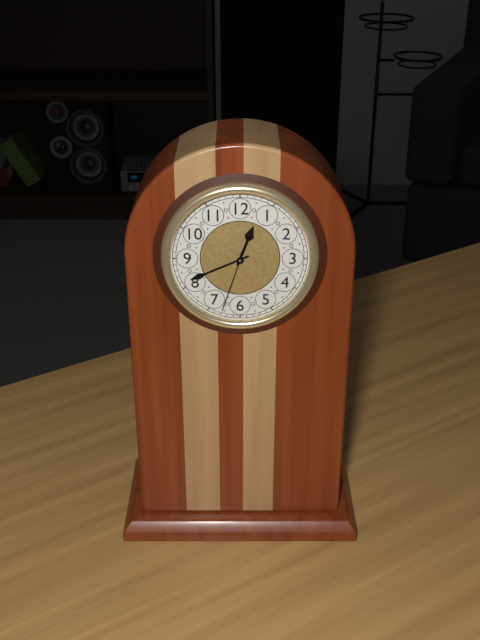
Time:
**12:41:33**
